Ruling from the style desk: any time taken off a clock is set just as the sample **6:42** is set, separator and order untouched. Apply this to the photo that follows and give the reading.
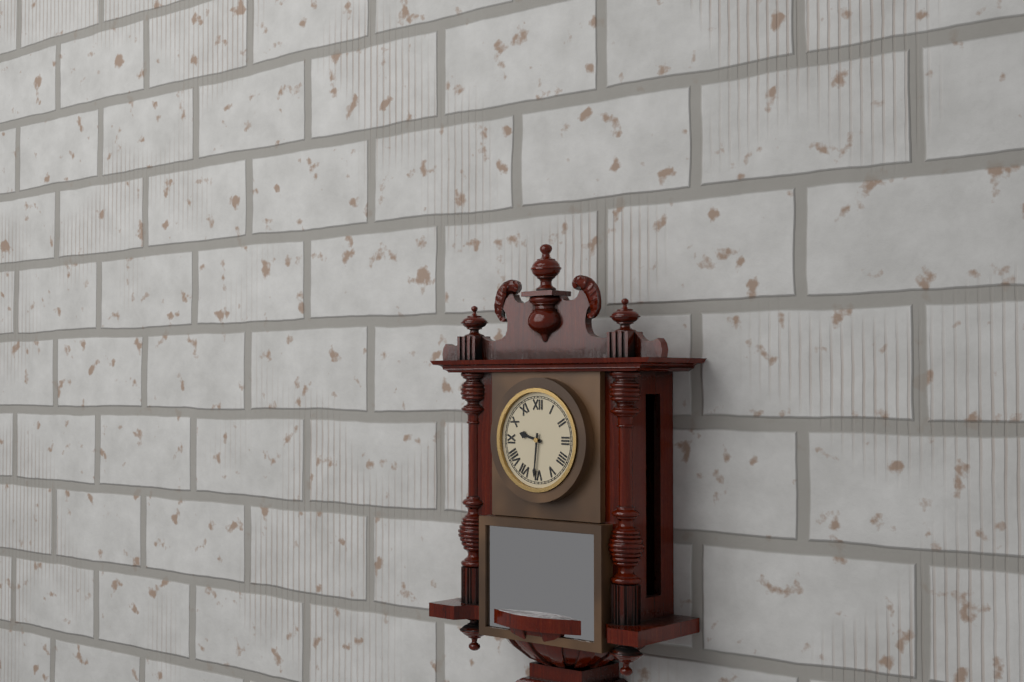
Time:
**9:31**
